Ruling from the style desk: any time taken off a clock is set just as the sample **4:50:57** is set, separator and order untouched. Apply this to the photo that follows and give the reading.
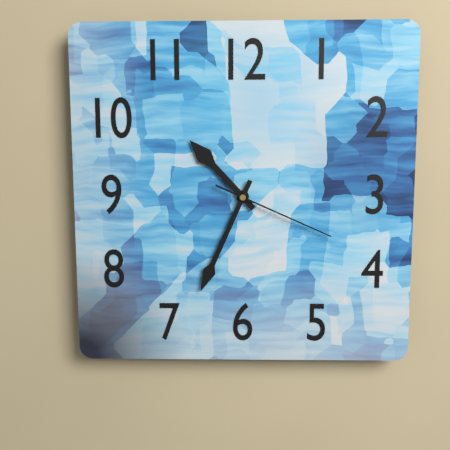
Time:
**10:34:19**
